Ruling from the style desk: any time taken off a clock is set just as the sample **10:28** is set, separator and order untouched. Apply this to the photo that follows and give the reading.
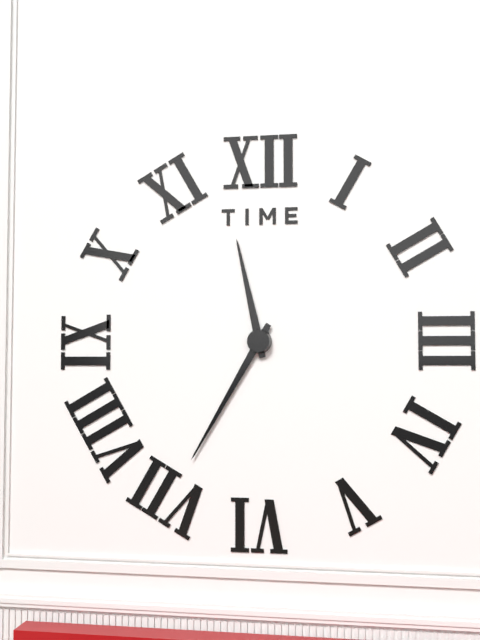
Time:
**11:35**
